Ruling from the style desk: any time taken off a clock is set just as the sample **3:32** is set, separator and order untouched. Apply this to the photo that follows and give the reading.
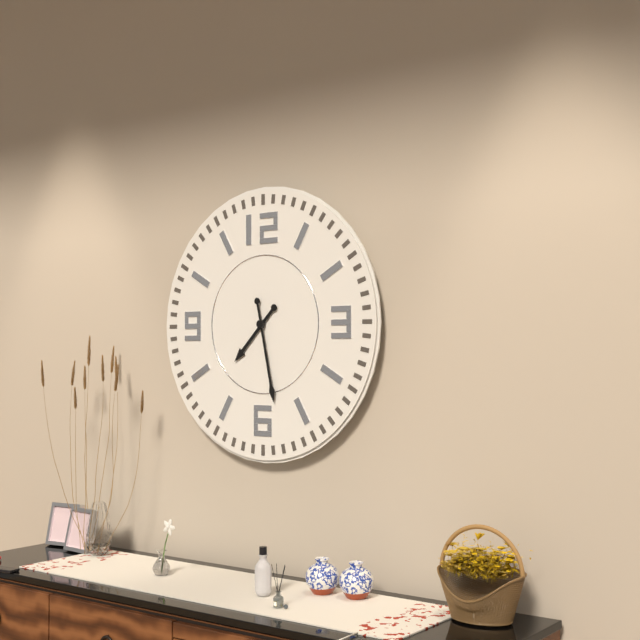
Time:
**7:28**
